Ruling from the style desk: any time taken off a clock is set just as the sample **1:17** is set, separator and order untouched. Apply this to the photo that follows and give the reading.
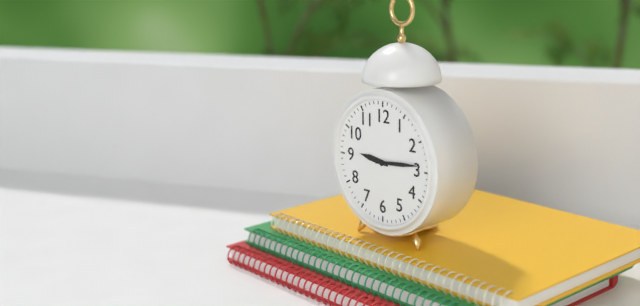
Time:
**9:14**
